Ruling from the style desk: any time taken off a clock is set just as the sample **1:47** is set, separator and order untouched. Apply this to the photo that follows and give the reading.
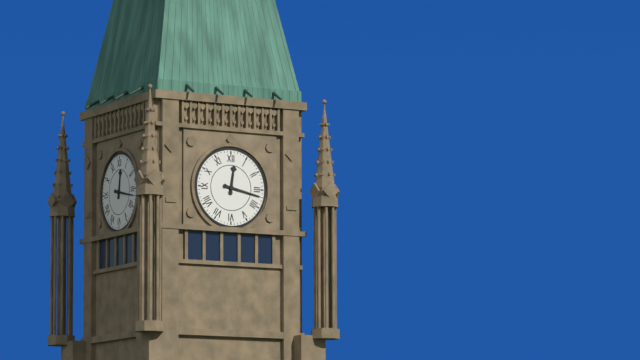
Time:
**12:17**
